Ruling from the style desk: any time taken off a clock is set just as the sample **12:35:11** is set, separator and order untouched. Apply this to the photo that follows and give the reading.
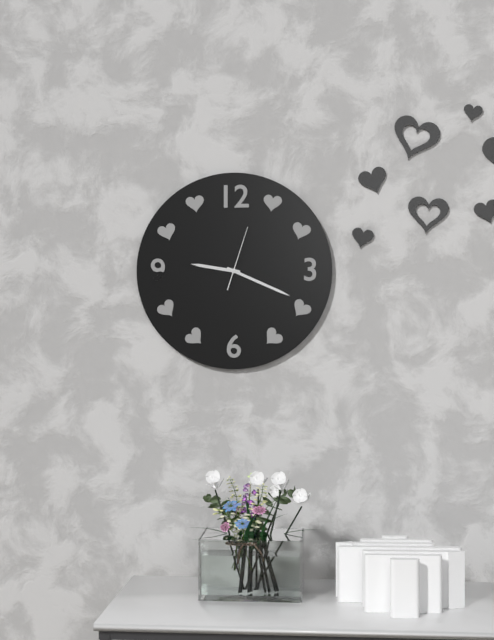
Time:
**9:19:03**
